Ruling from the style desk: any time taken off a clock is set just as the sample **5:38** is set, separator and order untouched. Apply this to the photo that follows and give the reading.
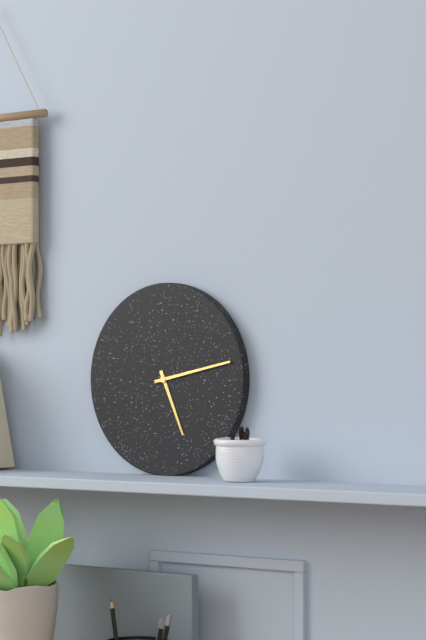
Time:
**5:13**
